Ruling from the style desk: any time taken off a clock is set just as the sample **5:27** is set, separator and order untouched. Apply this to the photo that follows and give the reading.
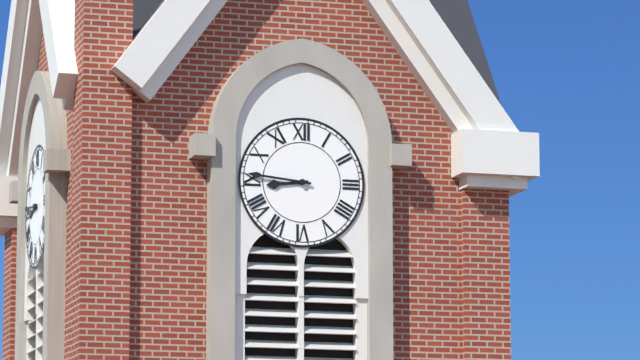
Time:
**8:46**
